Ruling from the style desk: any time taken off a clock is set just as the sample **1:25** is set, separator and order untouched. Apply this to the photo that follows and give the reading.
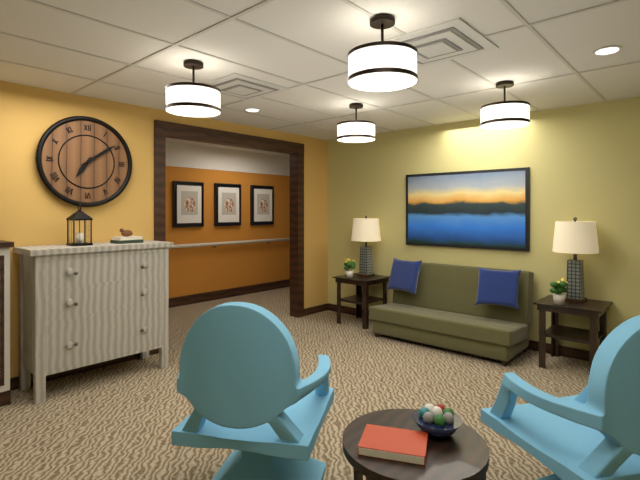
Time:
**7:09**
